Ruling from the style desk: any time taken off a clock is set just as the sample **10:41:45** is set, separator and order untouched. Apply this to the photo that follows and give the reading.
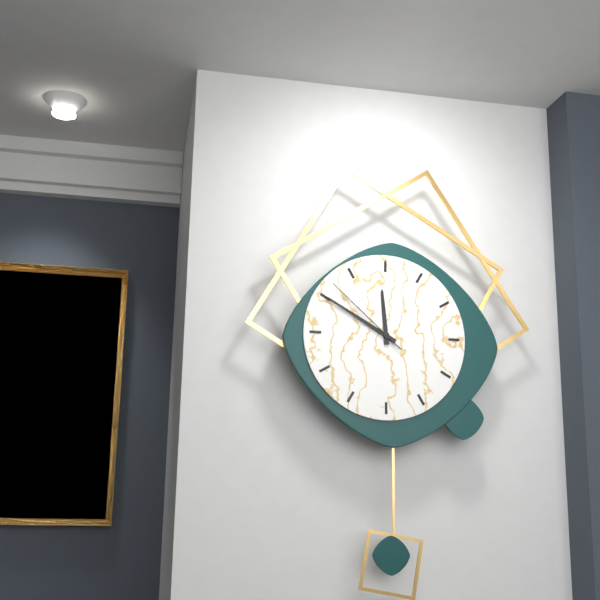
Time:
**11:50:52**
